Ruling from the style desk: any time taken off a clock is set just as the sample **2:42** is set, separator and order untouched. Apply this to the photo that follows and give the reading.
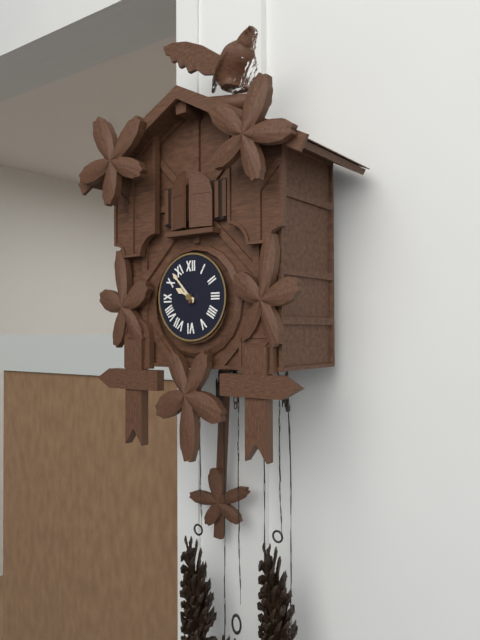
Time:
**9:53**
